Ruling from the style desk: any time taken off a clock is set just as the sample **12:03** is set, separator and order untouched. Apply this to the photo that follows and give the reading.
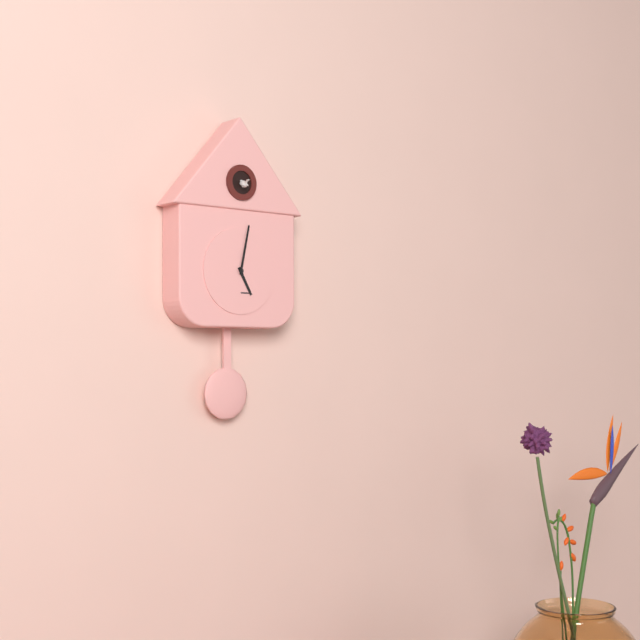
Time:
**5:02**
